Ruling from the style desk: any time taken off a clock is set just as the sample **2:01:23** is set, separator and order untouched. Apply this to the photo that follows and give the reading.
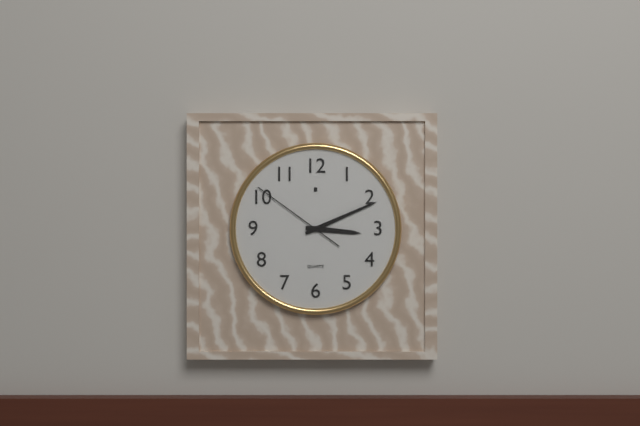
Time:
**3:11:51**
